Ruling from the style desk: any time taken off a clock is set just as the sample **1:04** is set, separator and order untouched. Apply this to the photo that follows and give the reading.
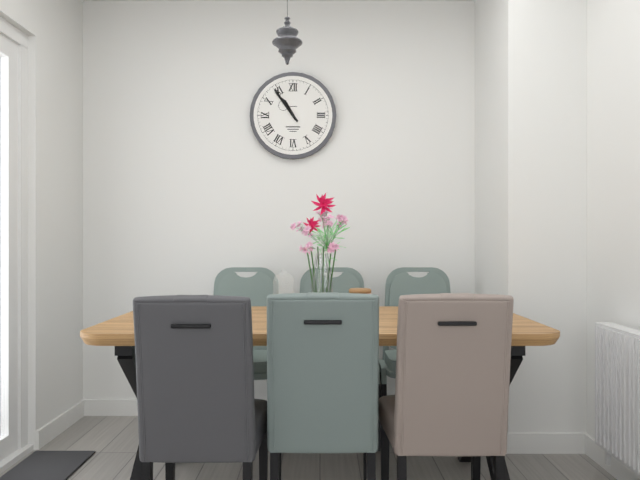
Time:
**10:54**
